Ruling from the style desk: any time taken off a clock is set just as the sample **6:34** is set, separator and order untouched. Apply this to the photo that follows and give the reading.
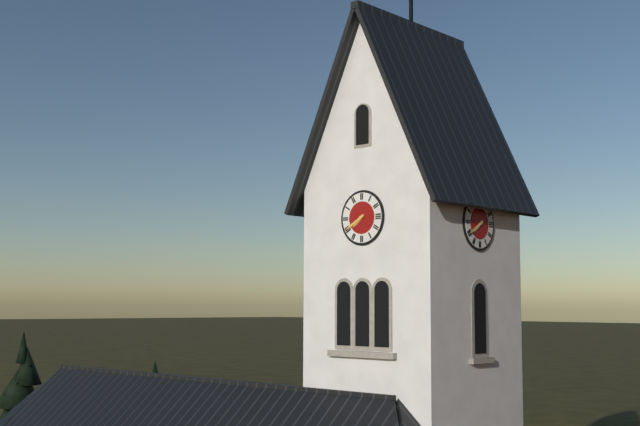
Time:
**7:40**
